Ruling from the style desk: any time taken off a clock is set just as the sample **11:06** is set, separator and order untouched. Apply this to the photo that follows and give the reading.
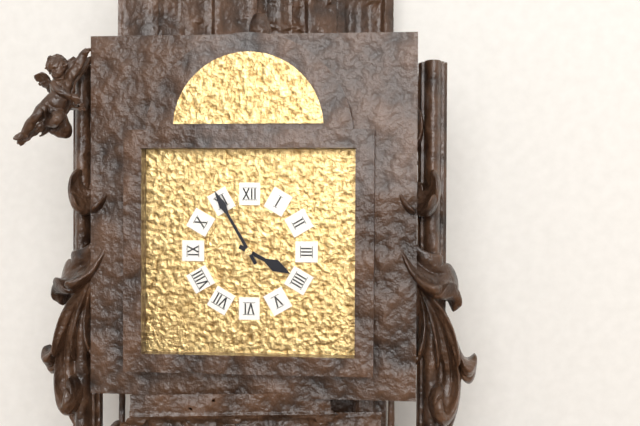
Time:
**3:55**
